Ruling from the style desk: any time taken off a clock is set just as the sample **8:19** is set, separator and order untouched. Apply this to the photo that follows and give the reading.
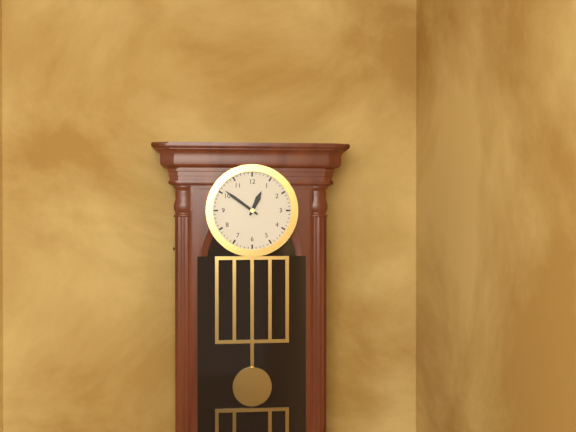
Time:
**12:51**
